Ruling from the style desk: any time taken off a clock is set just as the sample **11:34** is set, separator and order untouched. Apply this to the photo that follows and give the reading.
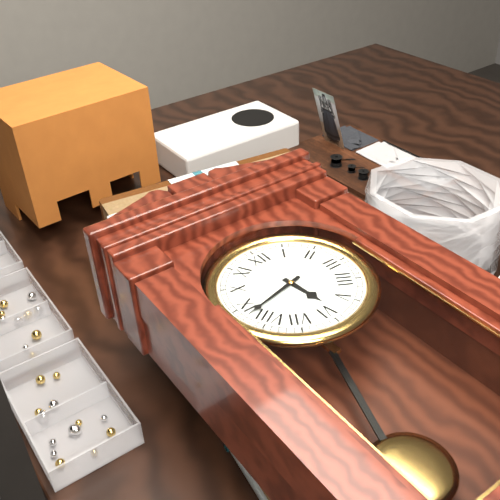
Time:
**5:43**
